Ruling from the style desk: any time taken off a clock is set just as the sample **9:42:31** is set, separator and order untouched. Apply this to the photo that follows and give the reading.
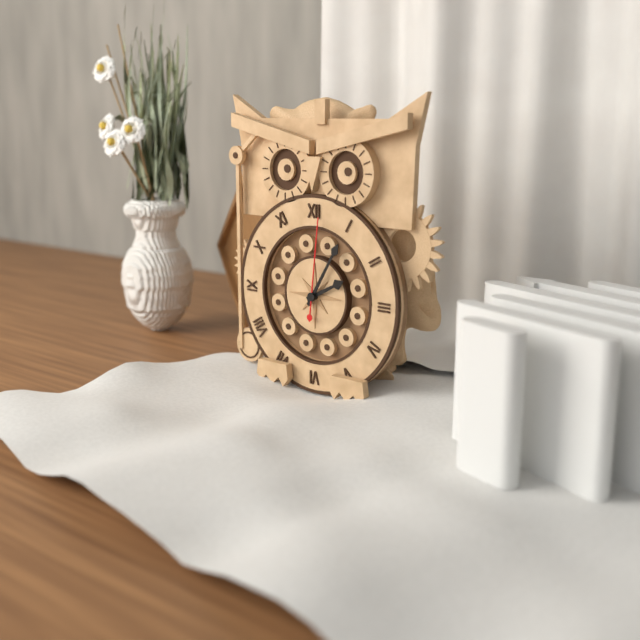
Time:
**2:05:01**
